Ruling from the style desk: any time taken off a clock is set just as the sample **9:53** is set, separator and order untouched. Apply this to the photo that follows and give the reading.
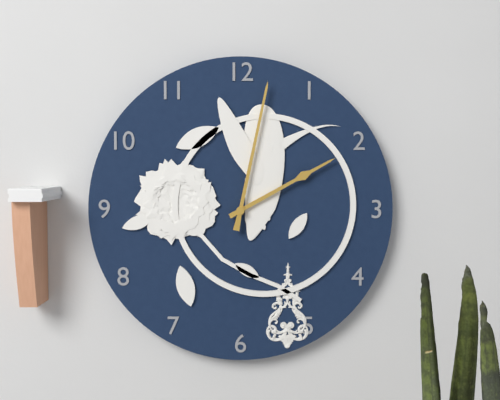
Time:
**2:02**
